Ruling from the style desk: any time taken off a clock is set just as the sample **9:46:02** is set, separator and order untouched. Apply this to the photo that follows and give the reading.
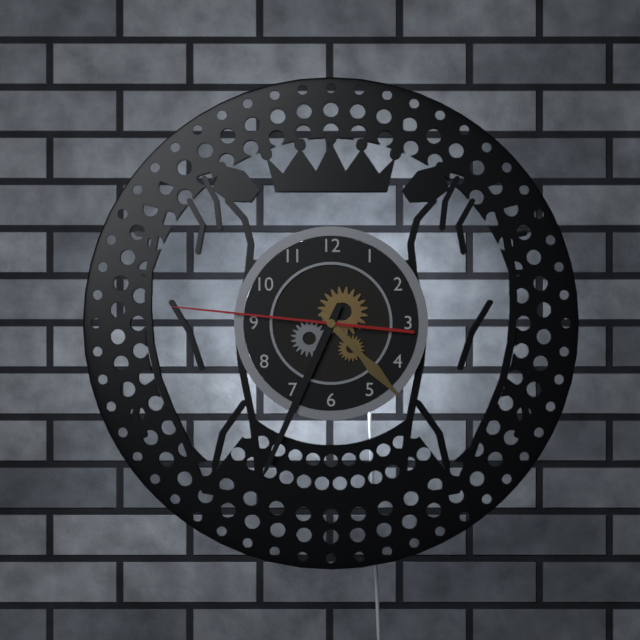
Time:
**4:34:46**
